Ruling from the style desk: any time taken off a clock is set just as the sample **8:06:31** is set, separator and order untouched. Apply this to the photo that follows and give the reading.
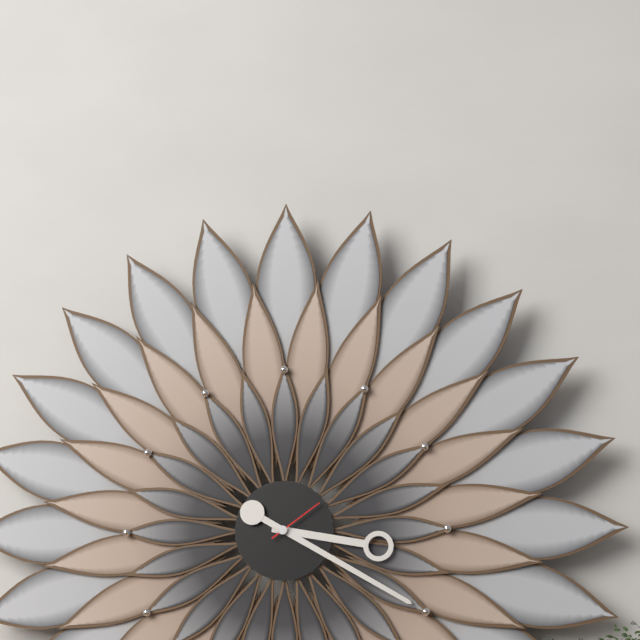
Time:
**3:20:09**
